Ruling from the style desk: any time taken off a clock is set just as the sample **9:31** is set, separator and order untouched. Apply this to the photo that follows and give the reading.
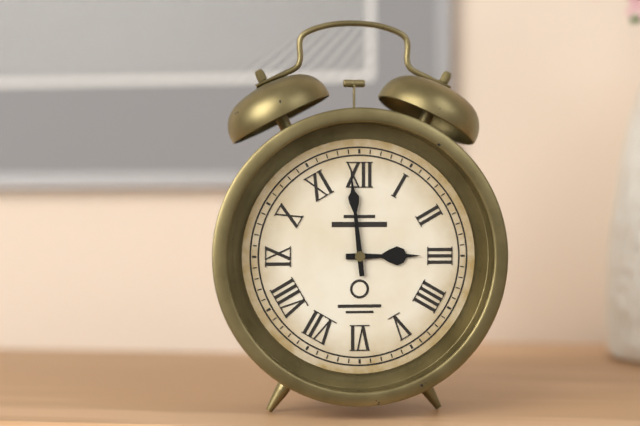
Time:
**2:59**
